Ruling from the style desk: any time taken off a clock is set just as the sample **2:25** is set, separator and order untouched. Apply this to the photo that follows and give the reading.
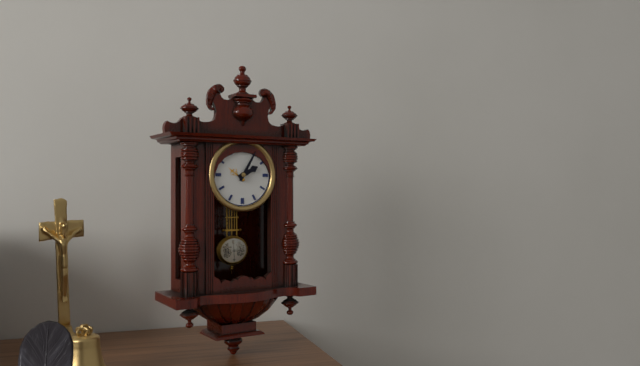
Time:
**2:05**
